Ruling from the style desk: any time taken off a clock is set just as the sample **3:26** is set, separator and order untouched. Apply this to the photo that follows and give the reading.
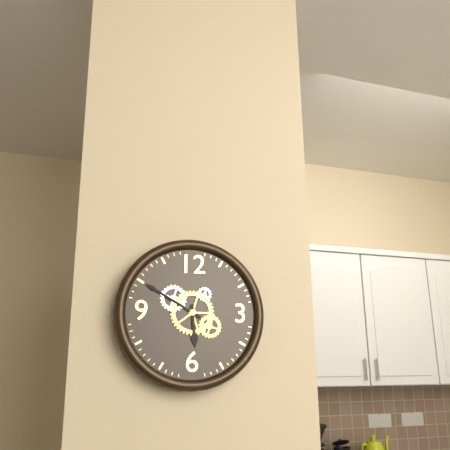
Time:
**5:50**
